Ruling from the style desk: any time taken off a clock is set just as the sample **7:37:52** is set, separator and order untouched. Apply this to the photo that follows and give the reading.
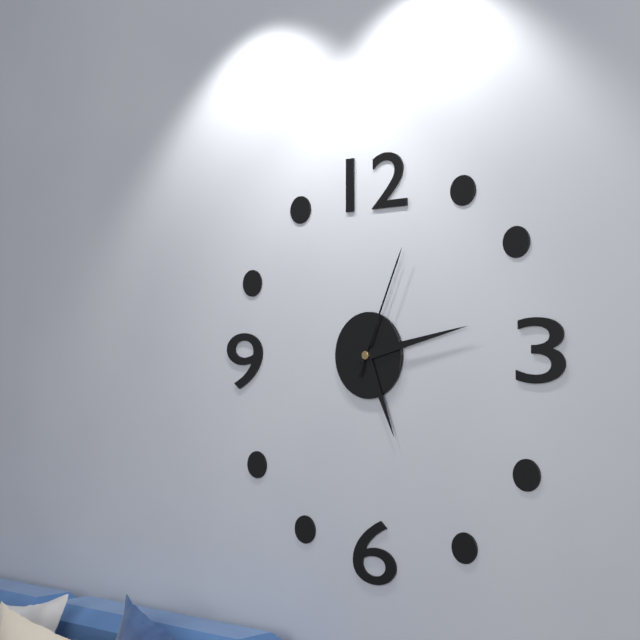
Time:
**5:13:04**
